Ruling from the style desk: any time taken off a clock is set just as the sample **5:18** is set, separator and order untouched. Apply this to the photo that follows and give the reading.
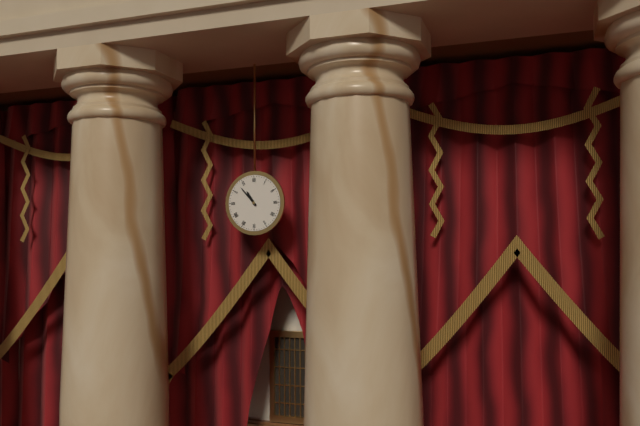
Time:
**10:53**
